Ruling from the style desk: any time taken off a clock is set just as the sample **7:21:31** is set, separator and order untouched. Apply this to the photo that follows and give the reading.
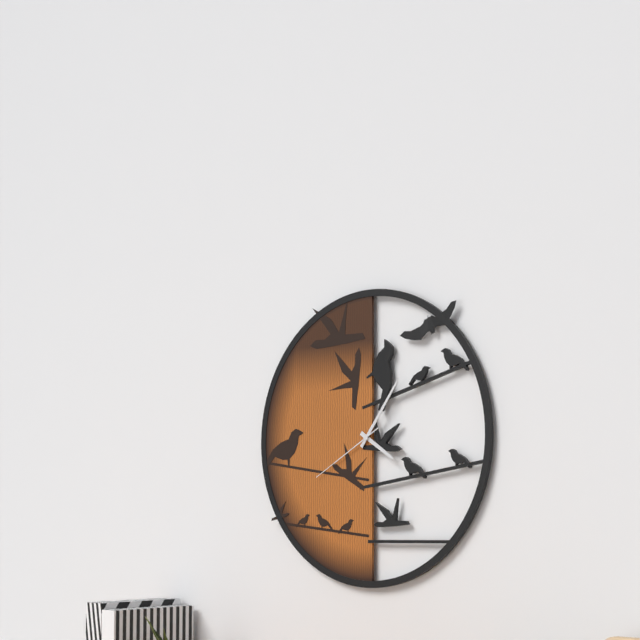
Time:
**4:06:40**
